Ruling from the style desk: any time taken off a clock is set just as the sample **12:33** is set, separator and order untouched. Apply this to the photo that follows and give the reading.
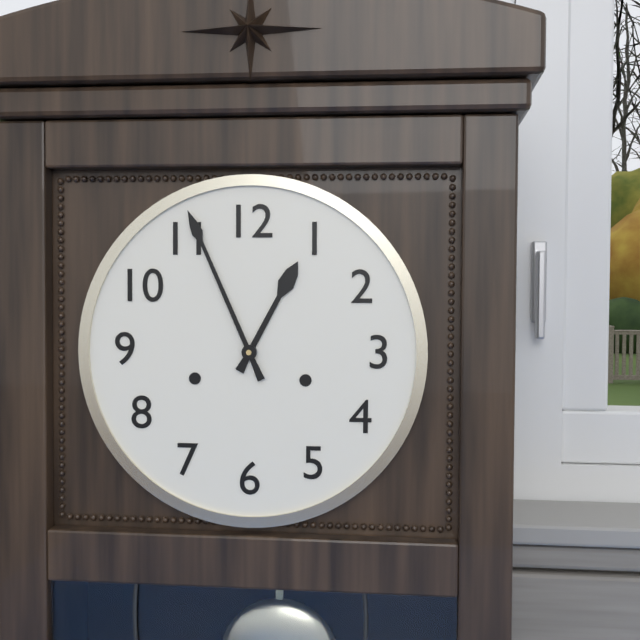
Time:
**12:56**
